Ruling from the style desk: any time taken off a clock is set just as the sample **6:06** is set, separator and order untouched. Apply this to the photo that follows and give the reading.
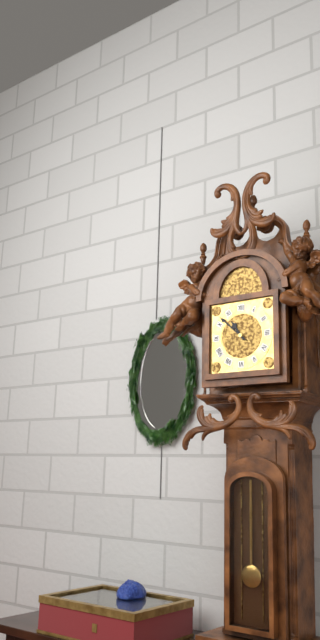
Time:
**10:52**
